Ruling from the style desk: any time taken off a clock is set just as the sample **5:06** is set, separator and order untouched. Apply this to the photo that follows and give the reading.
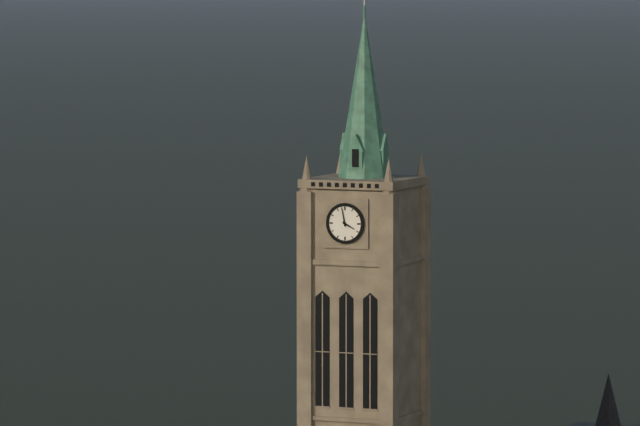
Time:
**3:58**
